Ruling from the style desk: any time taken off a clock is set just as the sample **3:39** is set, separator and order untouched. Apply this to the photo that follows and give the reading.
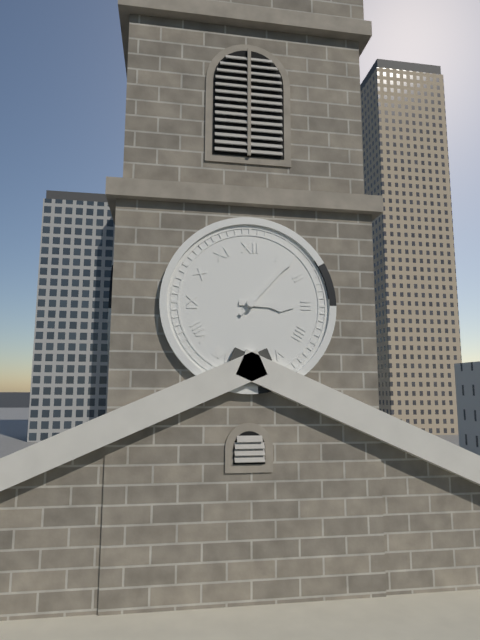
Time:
**3:07**
